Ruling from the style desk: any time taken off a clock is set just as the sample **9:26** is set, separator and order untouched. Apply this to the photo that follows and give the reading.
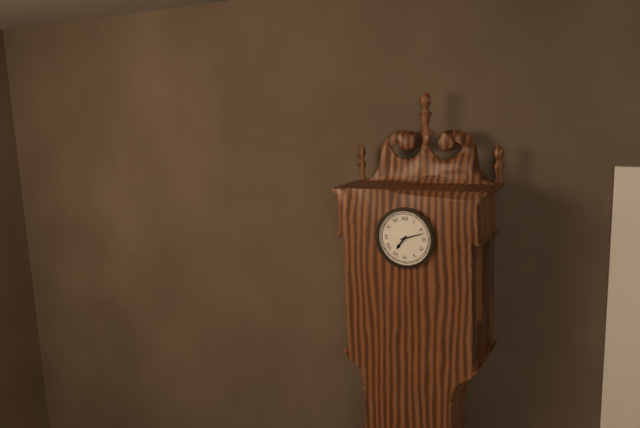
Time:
**7:12**
